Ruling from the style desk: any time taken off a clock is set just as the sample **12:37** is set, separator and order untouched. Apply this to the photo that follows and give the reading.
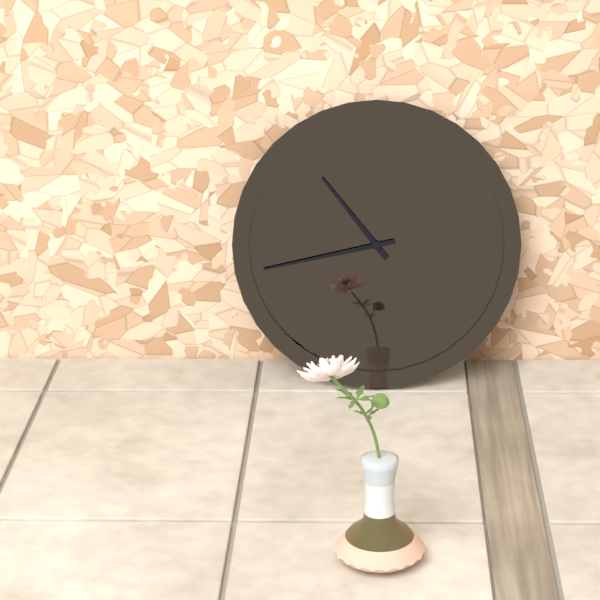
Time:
**10:43**
